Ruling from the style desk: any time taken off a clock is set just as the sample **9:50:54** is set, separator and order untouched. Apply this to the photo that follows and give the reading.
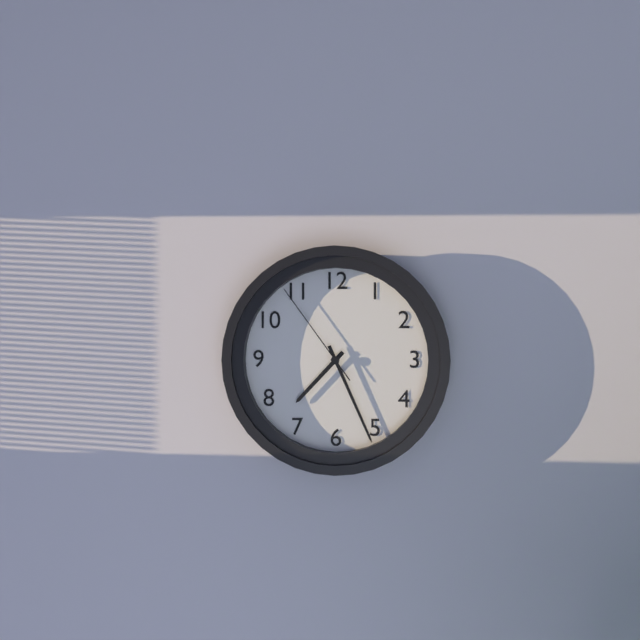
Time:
**7:26:54**
